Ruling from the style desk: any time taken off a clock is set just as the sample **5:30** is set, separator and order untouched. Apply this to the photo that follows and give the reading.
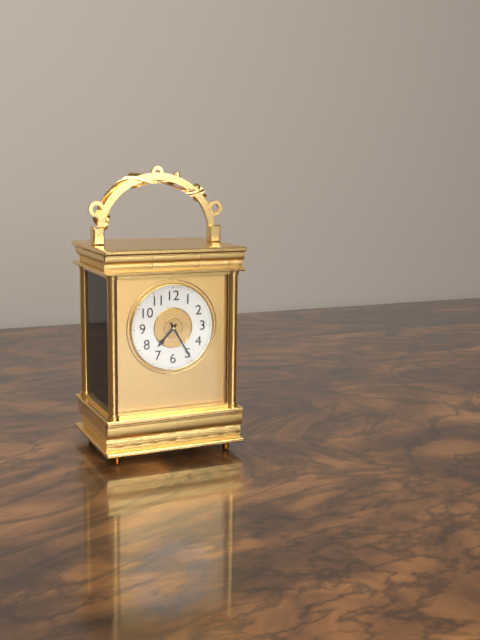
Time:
**7:25**
